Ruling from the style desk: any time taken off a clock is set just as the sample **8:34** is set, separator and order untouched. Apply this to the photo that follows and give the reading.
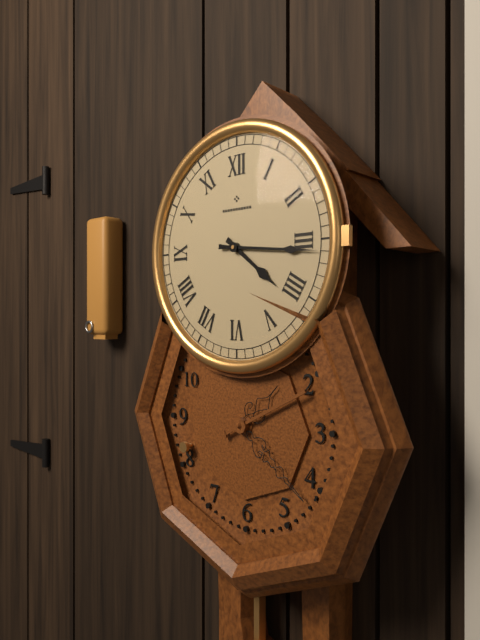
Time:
**4:16**
